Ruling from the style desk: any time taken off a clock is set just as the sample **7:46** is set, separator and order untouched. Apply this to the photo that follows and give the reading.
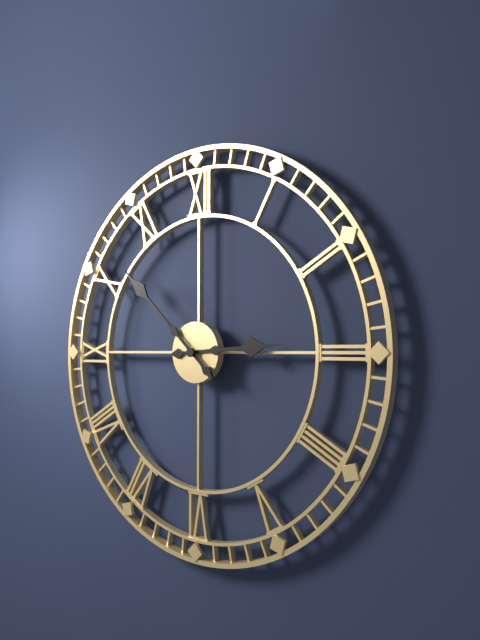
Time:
**2:52**
